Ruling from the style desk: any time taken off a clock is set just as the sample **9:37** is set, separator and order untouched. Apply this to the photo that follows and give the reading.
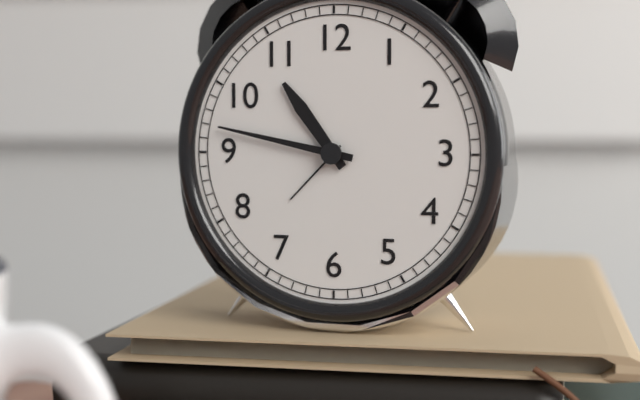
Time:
**10:47**
